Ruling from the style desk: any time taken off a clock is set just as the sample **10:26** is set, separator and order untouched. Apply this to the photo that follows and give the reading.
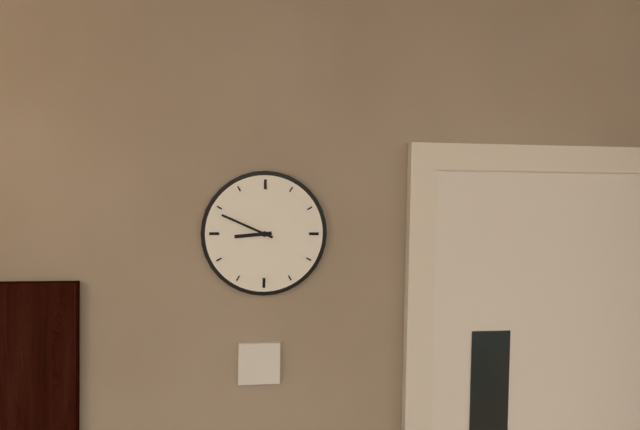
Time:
**8:49**
